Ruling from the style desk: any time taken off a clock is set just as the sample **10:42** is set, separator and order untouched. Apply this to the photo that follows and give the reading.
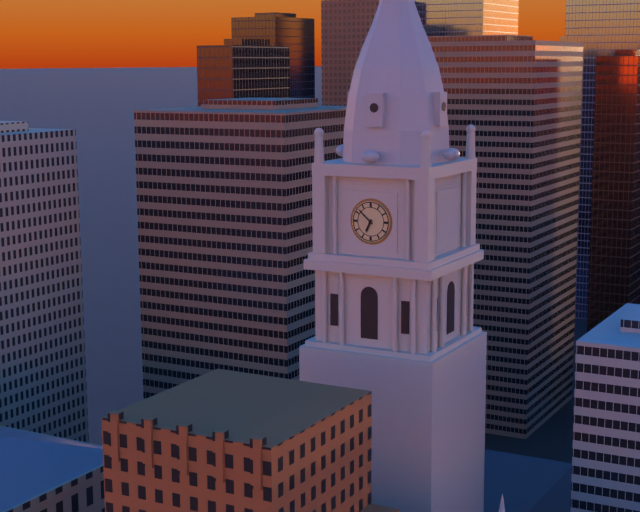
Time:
**6:52**
